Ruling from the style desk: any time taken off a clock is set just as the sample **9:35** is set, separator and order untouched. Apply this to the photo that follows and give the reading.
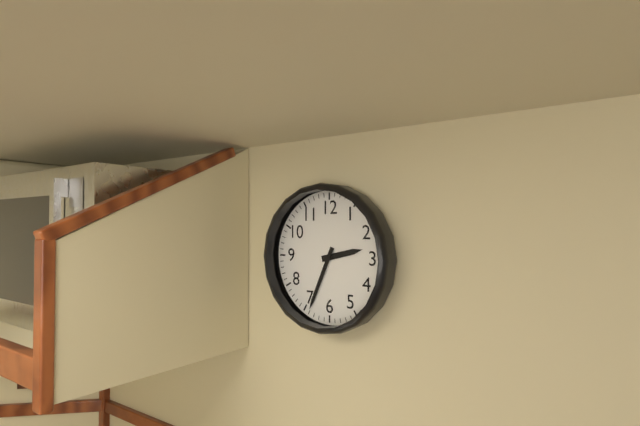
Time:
**2:34**
